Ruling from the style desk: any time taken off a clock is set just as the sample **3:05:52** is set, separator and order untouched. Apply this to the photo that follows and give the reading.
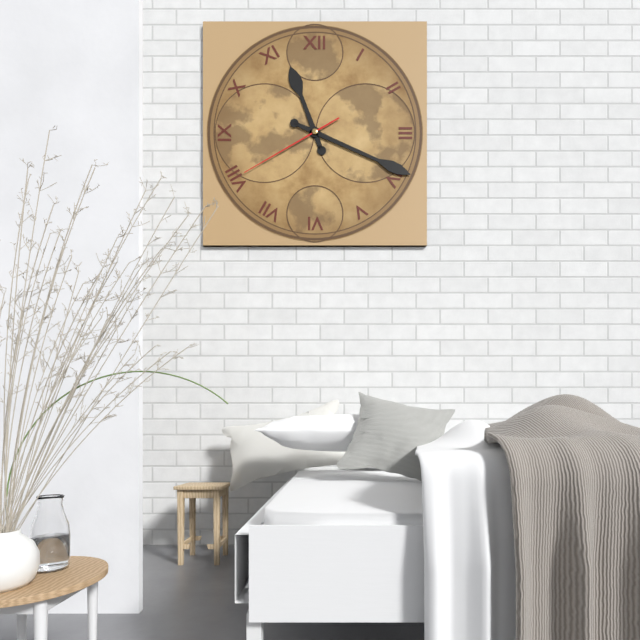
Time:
**11:19:40**
